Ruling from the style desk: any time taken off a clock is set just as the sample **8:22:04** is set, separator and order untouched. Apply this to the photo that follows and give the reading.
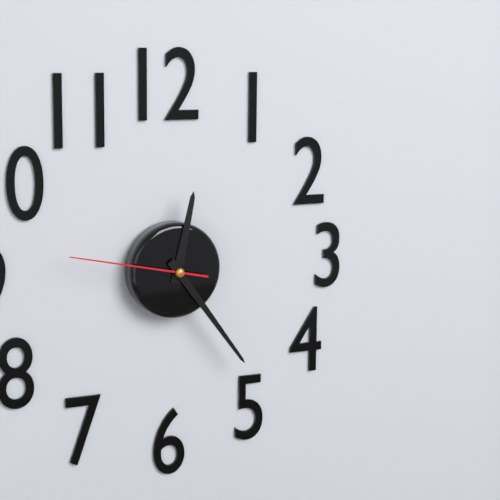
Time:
**12:24:47**
